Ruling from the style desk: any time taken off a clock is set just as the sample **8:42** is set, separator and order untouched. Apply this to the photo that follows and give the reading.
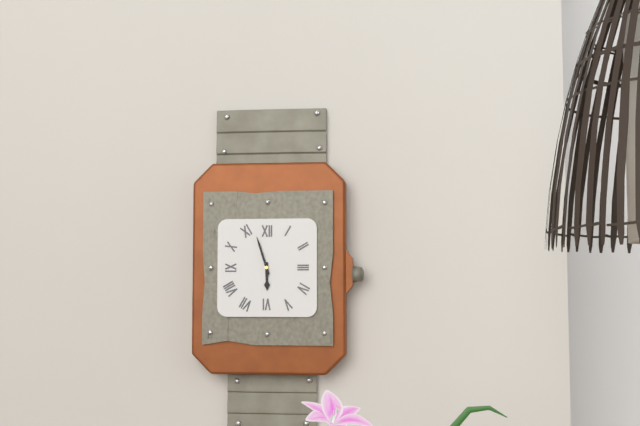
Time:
**5:57**
